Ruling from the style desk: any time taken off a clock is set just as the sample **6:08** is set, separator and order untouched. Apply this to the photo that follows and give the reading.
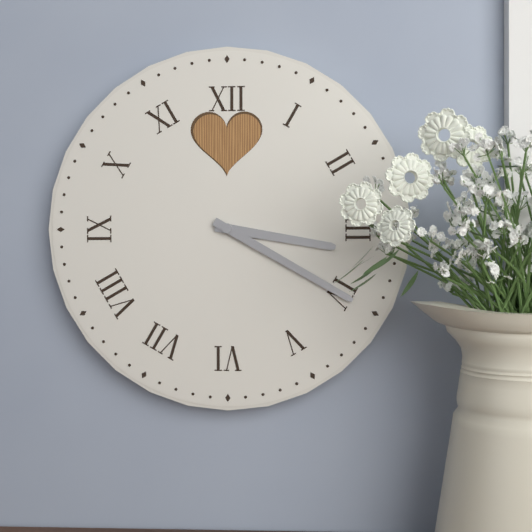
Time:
**3:20**
